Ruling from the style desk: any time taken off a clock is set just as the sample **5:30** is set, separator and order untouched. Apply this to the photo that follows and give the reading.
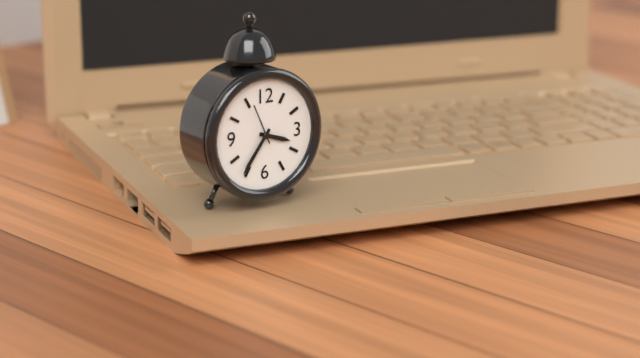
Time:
**3:36**
